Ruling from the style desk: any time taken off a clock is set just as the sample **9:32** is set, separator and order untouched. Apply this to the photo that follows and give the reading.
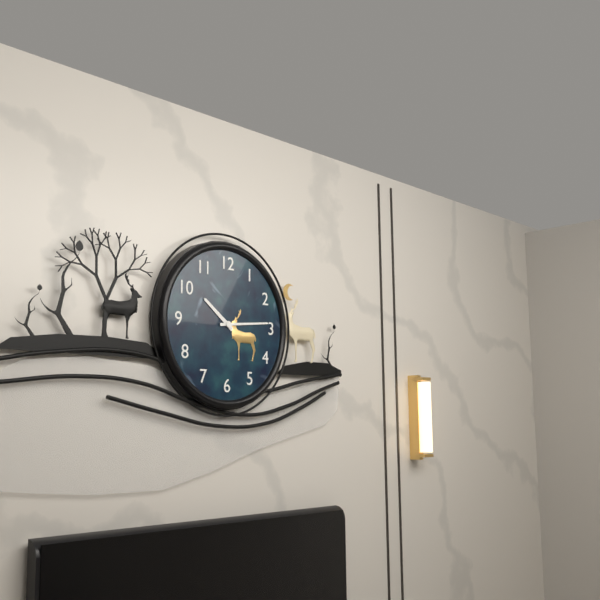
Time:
**10:14**
